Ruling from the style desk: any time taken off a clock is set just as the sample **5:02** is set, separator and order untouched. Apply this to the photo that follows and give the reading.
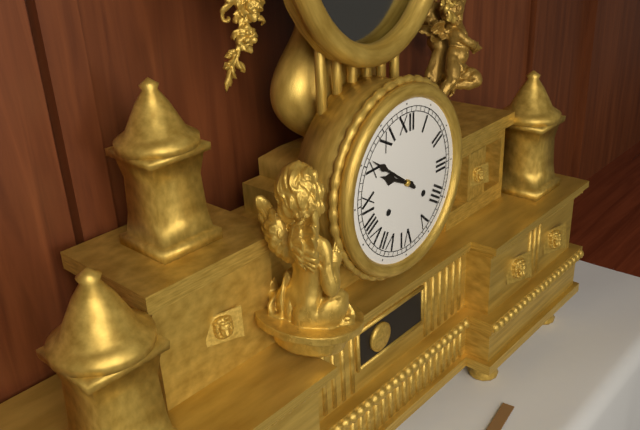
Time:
**9:51**
